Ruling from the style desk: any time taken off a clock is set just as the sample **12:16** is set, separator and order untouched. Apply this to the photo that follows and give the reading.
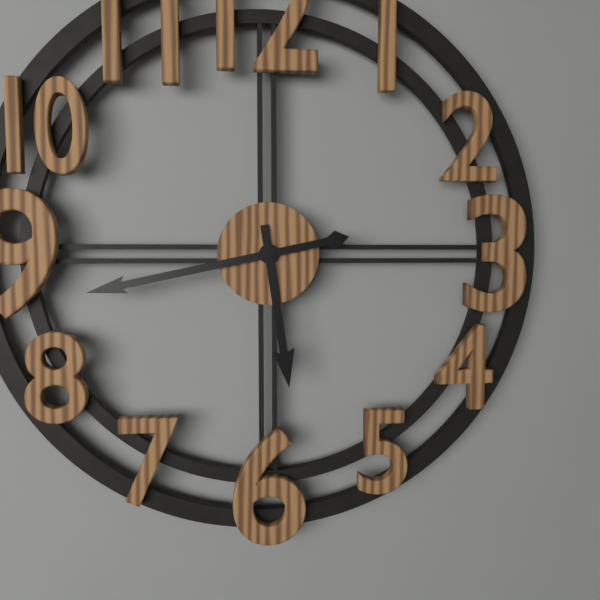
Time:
**5:43**
